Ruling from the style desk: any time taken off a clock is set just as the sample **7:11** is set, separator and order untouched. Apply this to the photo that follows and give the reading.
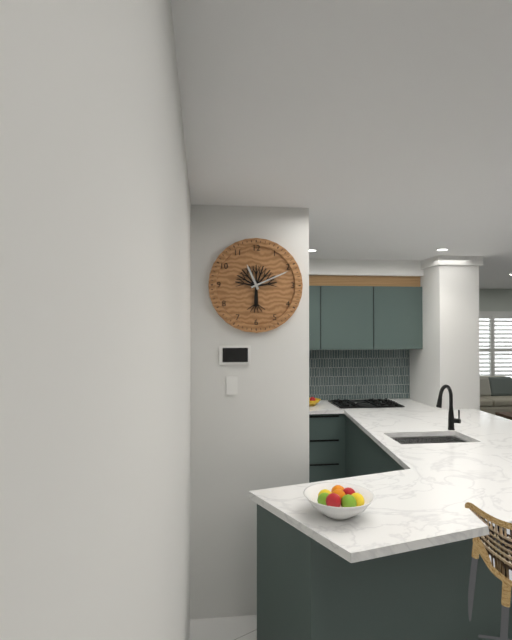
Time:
**11:11**
